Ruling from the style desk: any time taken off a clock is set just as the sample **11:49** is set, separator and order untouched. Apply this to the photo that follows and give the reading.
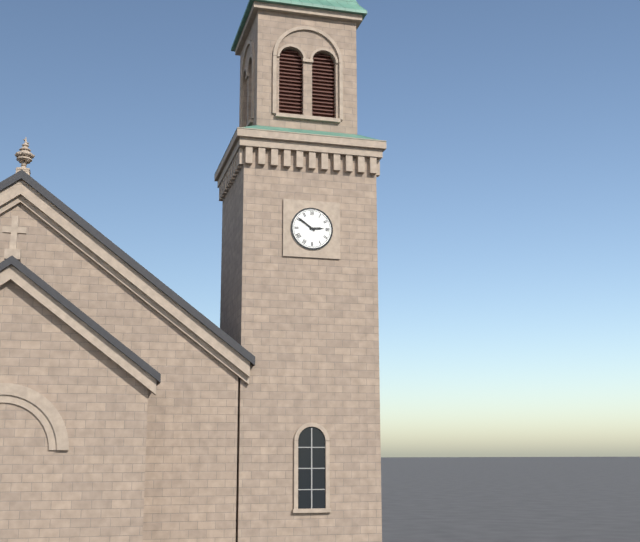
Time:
**2:51**
